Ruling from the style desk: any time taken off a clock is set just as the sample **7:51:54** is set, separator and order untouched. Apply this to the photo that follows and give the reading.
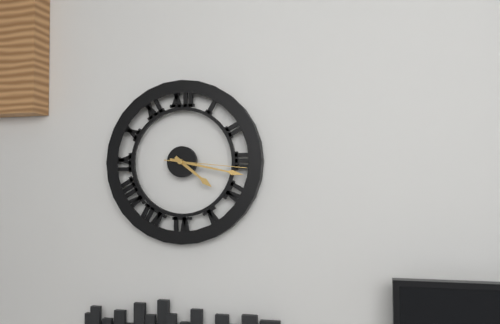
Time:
**4:17:16**
